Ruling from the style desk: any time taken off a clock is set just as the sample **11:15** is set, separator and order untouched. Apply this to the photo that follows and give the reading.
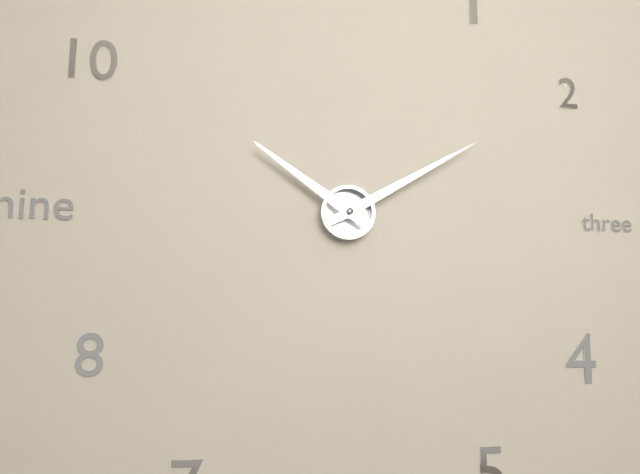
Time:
**10:10**
